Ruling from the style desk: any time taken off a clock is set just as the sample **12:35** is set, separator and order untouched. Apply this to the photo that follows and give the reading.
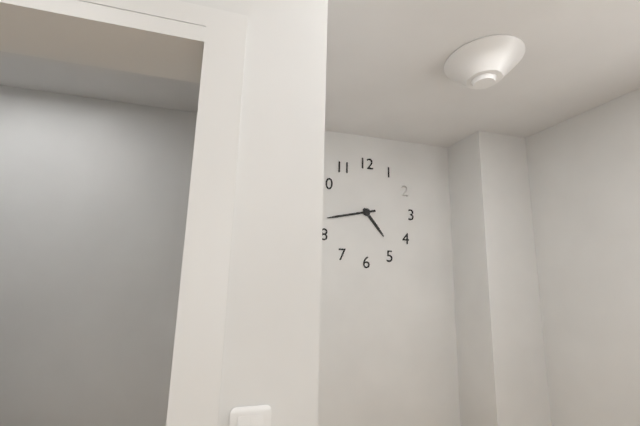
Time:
**4:43**
